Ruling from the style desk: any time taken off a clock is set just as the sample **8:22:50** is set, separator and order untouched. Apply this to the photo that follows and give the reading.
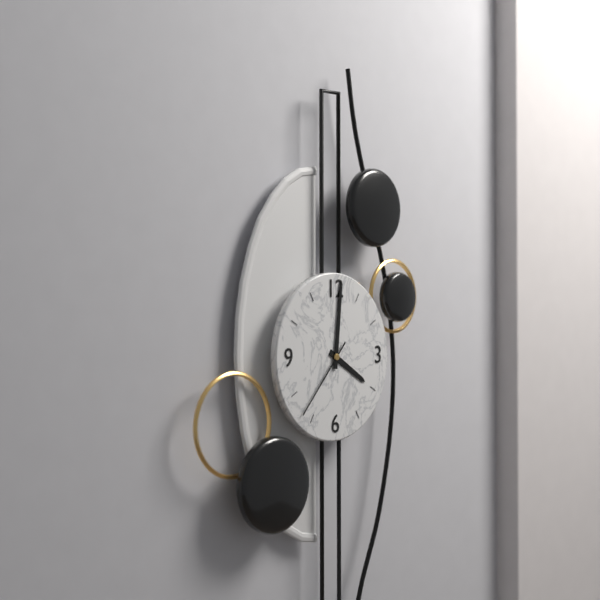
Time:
**4:01:37**
